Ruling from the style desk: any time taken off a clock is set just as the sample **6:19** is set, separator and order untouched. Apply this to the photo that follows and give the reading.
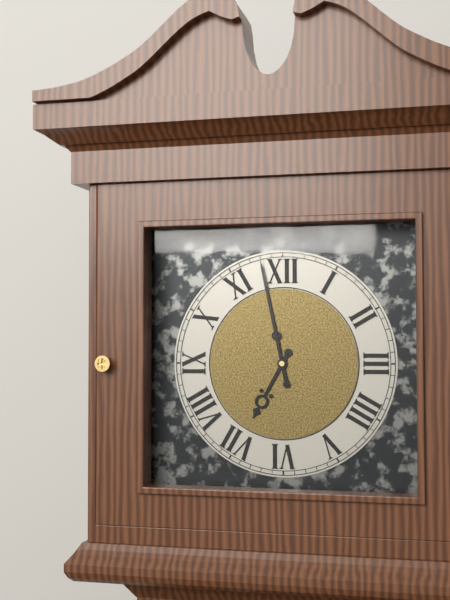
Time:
**6:58**
